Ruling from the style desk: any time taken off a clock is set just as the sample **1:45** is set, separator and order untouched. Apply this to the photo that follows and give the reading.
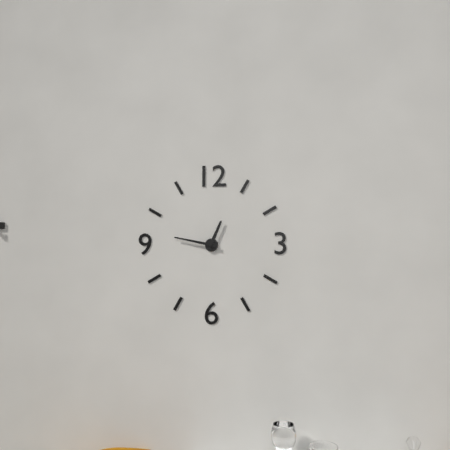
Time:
**12:47**
